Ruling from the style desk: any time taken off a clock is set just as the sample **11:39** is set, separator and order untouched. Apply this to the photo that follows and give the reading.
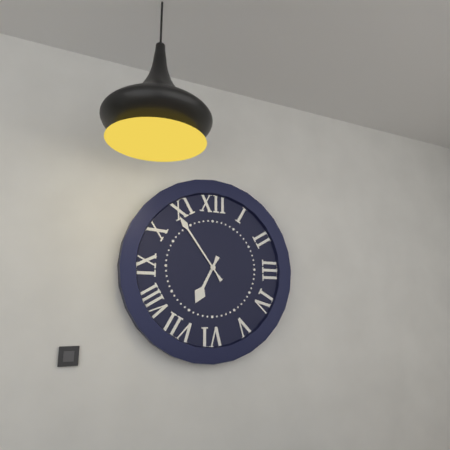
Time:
**6:54**
